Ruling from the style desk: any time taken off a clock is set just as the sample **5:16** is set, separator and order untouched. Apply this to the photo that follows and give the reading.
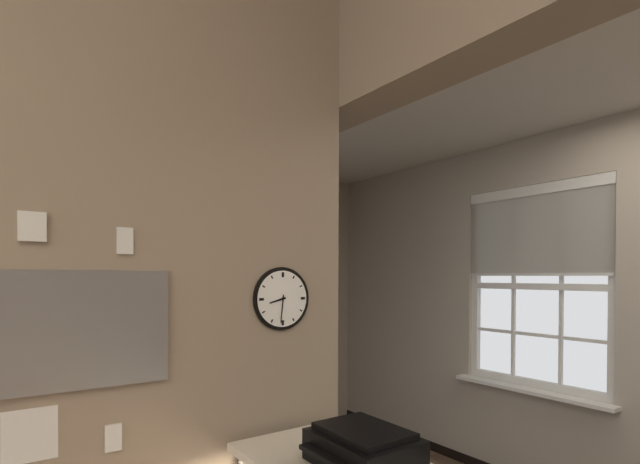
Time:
**8:31**
